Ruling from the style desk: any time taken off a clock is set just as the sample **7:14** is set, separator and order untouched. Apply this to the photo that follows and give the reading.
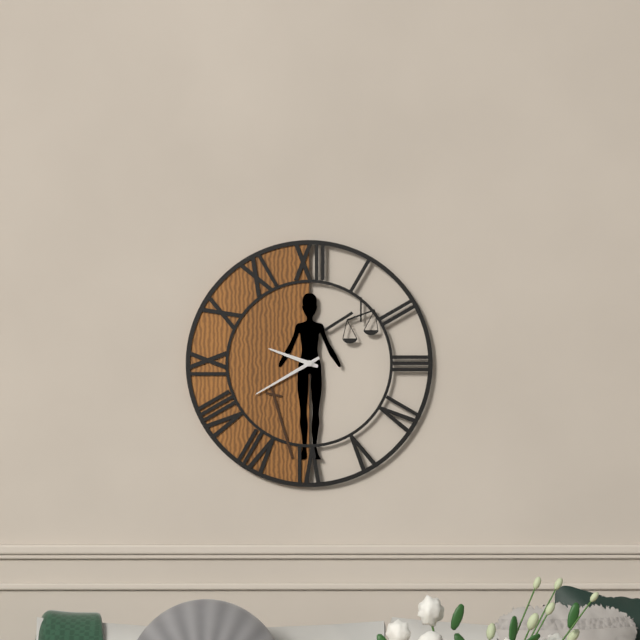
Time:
**9:40**
